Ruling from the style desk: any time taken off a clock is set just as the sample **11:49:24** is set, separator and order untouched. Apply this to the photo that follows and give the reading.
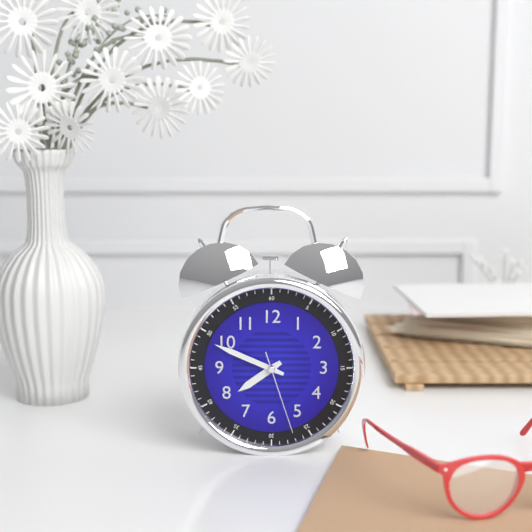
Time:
**7:49:27**
